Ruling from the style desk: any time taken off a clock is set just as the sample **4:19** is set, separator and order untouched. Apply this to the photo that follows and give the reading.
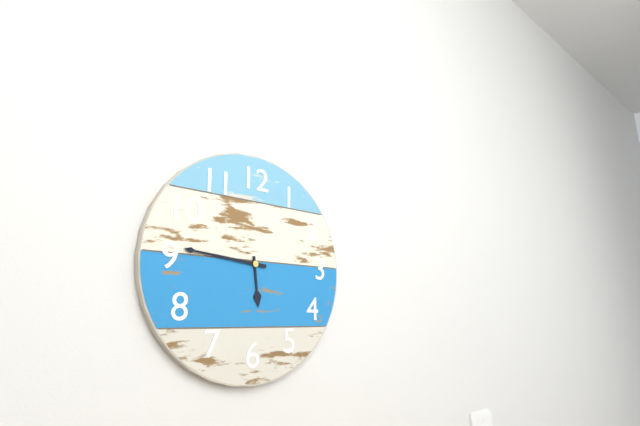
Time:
**5:46**
